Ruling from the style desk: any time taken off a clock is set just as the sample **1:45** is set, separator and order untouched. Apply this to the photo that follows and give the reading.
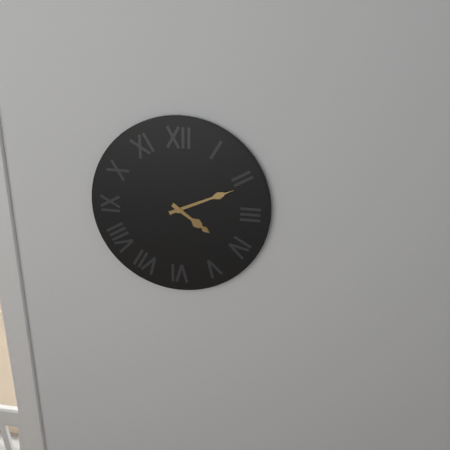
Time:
**4:11**
